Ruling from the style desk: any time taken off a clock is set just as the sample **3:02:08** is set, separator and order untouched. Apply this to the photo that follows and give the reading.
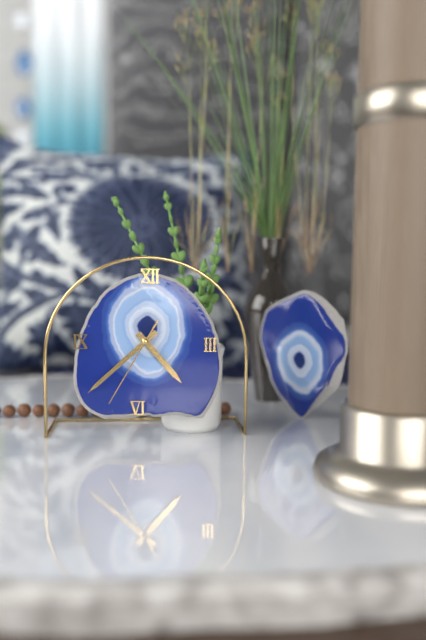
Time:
**4:38:35**
